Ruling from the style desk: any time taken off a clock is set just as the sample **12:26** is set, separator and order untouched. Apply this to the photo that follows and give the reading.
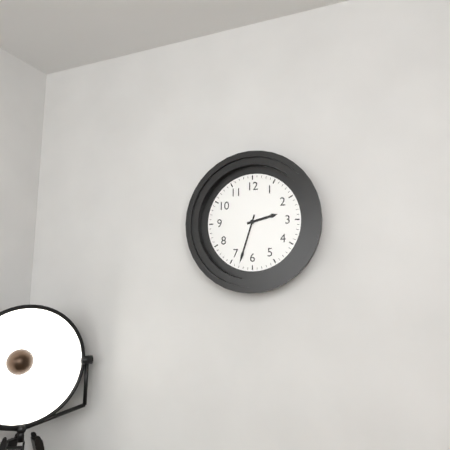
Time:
**2:33**
